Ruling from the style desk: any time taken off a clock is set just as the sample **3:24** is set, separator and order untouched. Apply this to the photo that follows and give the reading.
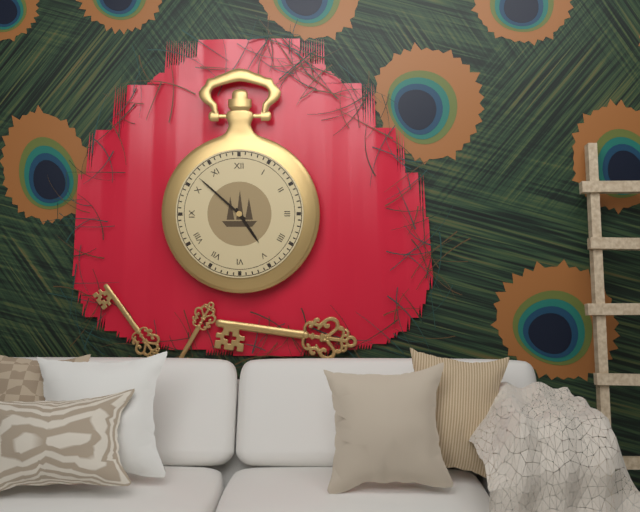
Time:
**4:52**
